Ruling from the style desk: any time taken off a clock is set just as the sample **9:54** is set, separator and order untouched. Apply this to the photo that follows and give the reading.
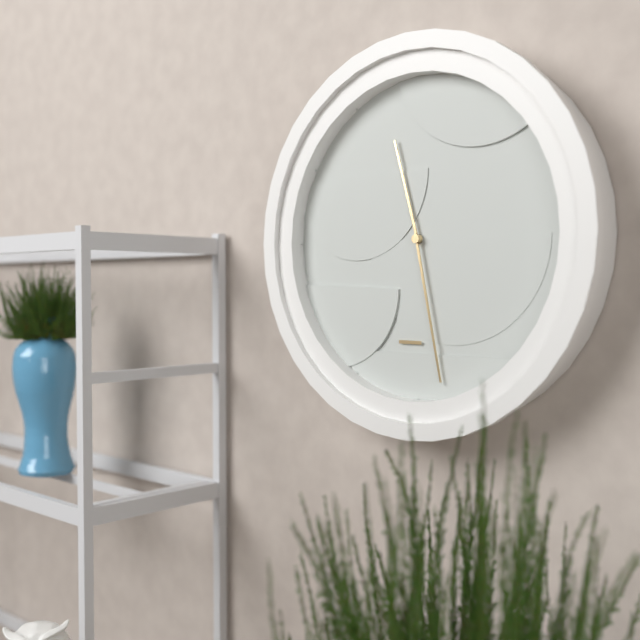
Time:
**11:28**
